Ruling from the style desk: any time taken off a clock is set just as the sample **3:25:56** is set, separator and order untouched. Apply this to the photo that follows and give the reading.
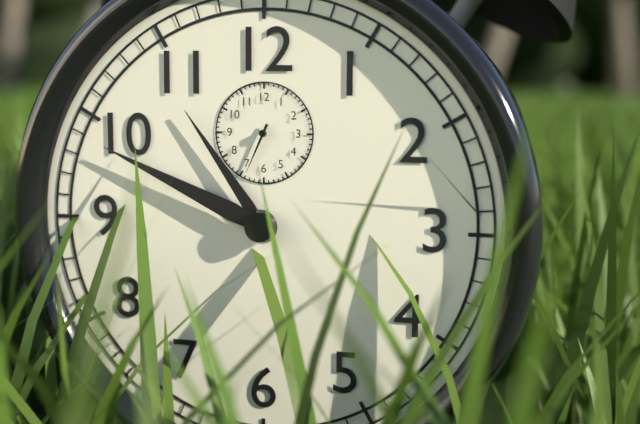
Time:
**10:49:34**
